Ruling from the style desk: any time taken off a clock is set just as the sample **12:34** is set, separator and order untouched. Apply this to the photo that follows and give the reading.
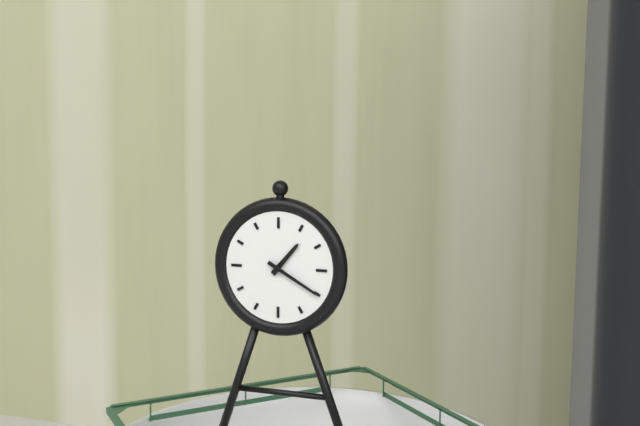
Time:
**1:20**
